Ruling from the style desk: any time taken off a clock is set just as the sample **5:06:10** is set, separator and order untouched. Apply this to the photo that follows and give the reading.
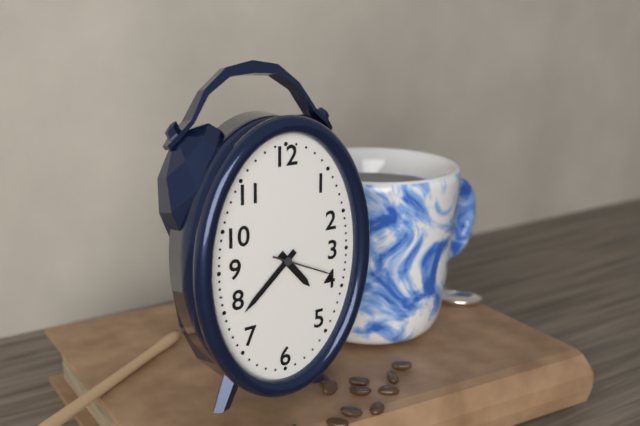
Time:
**4:38:19**
